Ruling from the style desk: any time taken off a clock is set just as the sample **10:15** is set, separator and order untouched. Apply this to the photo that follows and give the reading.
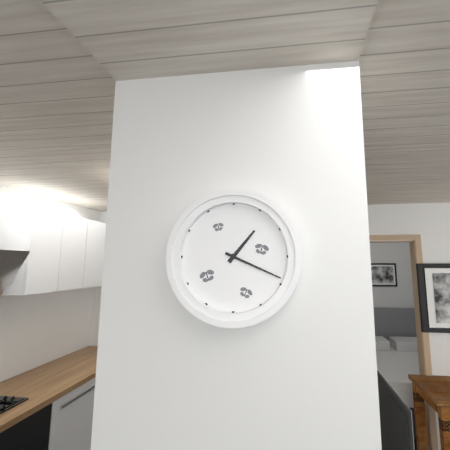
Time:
**1:19**
